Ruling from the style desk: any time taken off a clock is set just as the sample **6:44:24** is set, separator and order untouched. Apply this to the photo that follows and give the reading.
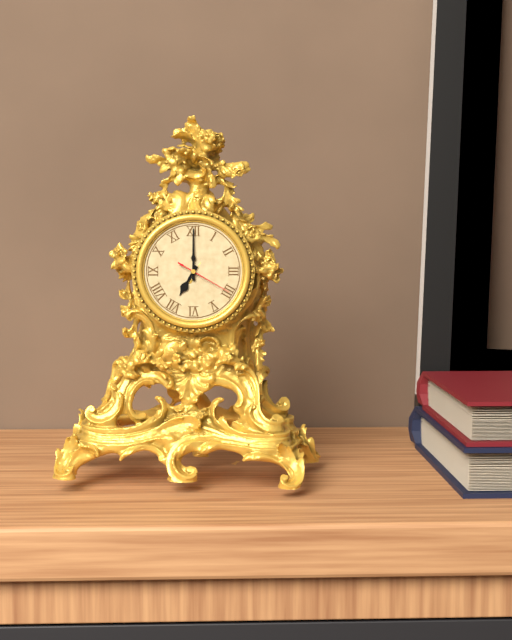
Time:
**7:00:20**
